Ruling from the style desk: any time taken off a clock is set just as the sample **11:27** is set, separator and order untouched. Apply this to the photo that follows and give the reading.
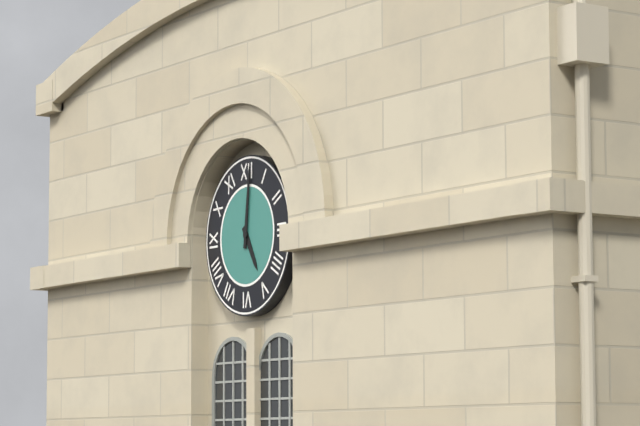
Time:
**5:01**
